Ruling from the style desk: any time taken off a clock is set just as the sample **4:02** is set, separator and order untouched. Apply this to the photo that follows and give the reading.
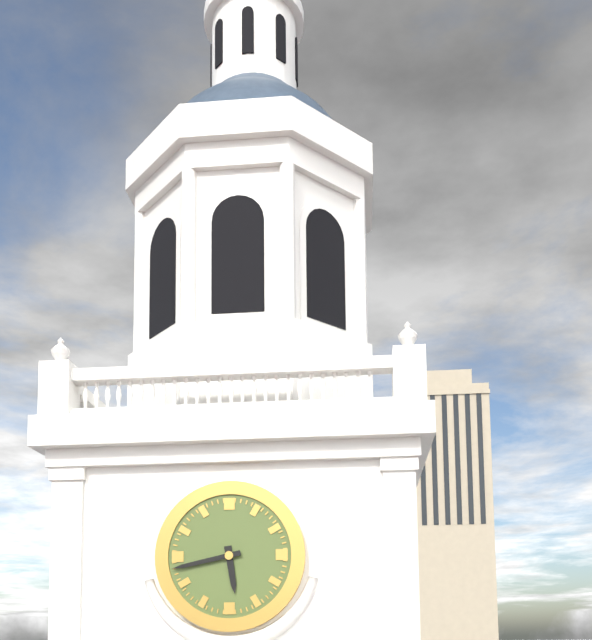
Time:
**5:43**
